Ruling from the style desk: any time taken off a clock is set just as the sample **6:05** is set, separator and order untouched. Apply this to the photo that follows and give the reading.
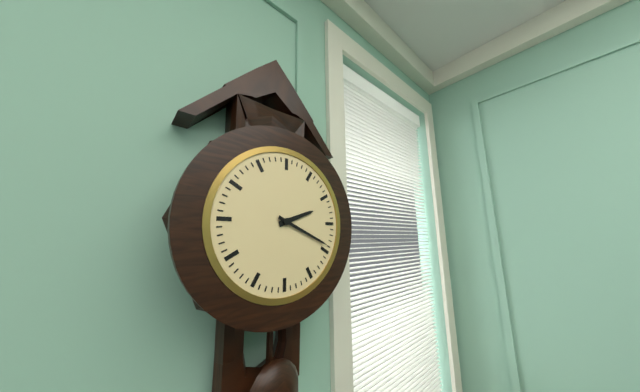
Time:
**2:19**
